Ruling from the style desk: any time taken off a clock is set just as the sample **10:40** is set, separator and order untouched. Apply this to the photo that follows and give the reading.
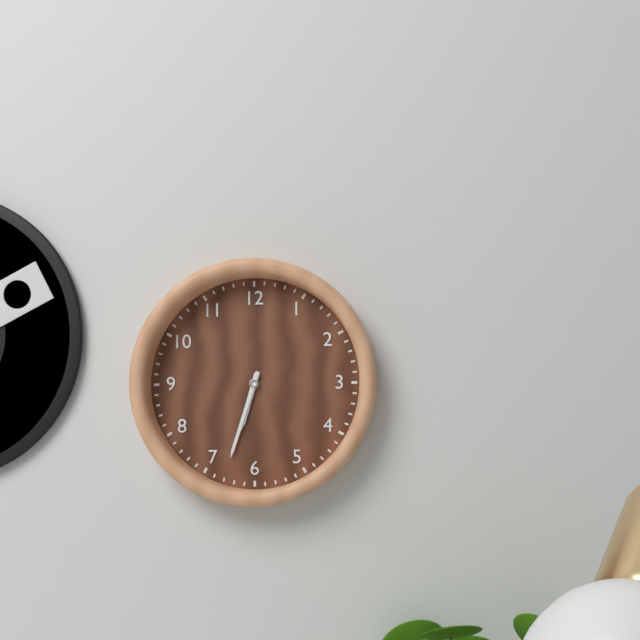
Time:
**6:33**
